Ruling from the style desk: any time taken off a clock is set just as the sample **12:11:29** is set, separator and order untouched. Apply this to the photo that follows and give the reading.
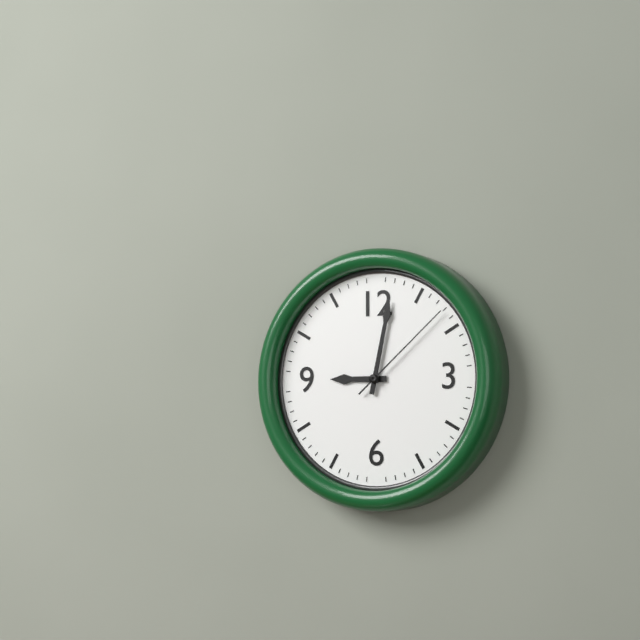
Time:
**9:02:08**
